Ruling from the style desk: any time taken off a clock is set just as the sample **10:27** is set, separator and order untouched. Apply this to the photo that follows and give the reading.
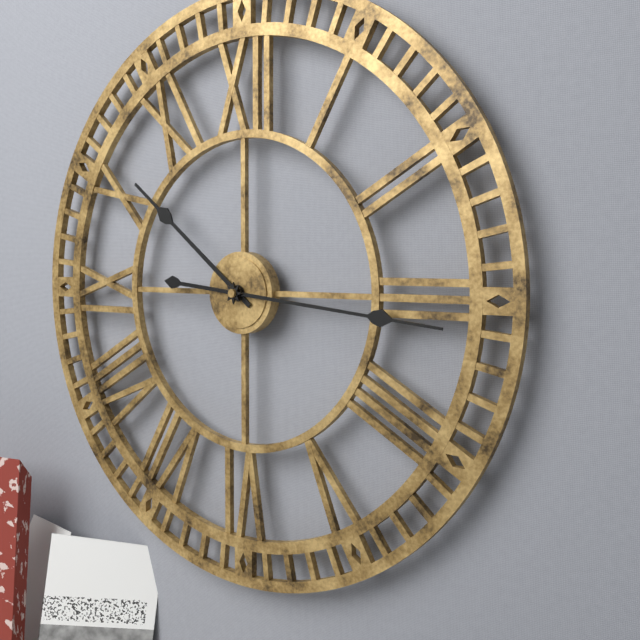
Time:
**10:16**
